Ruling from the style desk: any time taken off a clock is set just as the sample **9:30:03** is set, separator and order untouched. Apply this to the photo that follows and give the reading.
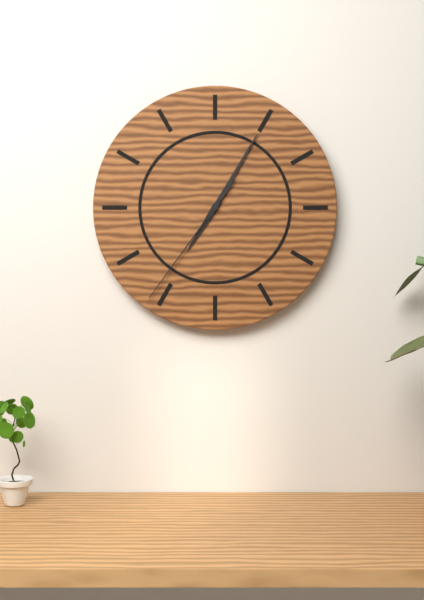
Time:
**7:05:36**
